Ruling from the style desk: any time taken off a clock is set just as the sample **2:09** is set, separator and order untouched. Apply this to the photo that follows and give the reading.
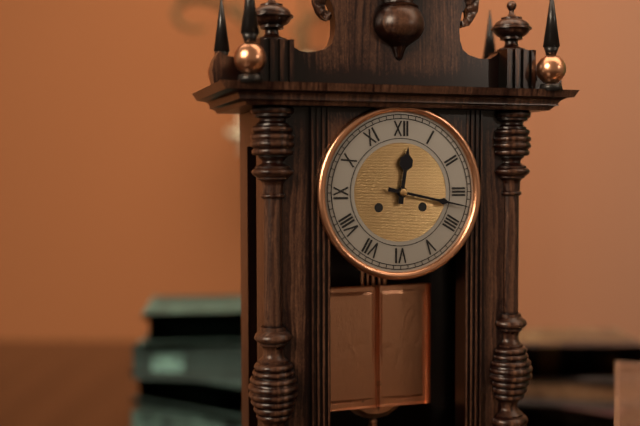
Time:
**12:17**
